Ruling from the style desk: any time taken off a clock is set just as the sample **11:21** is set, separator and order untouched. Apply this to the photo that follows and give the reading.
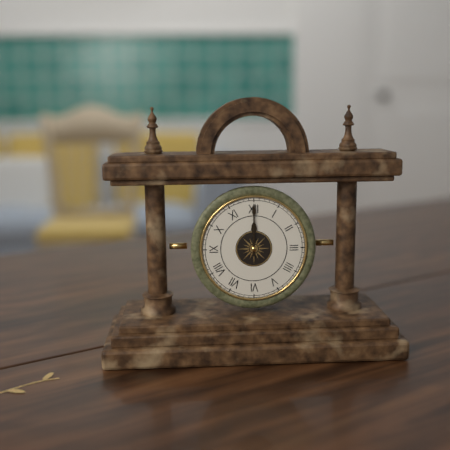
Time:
**12:00**
